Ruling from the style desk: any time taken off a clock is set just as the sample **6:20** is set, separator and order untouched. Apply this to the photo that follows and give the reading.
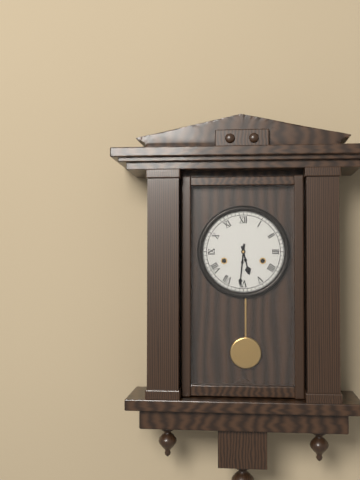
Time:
**5:31**
